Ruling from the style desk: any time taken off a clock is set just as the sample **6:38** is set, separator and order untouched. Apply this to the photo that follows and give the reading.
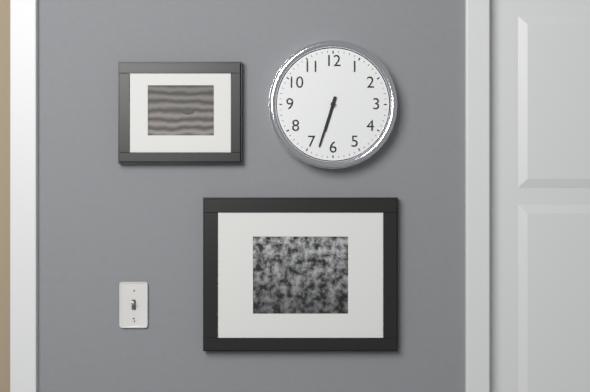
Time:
**6:33**
